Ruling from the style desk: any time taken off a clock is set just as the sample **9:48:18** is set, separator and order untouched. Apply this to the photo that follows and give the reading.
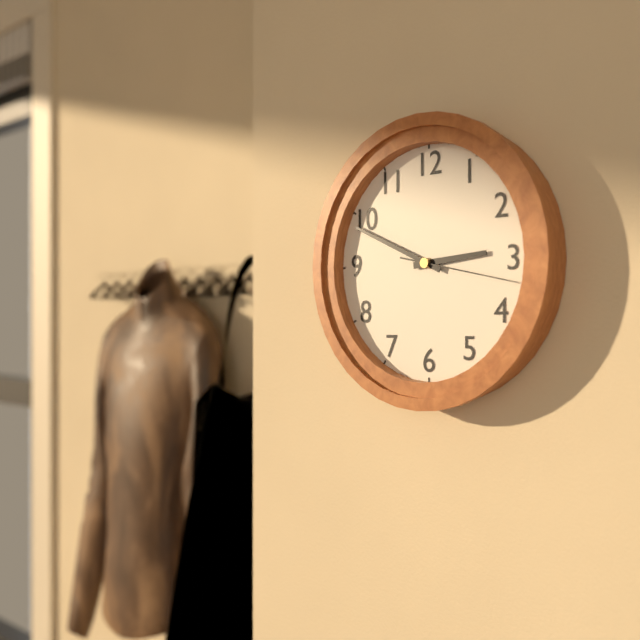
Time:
**2:49:17**
